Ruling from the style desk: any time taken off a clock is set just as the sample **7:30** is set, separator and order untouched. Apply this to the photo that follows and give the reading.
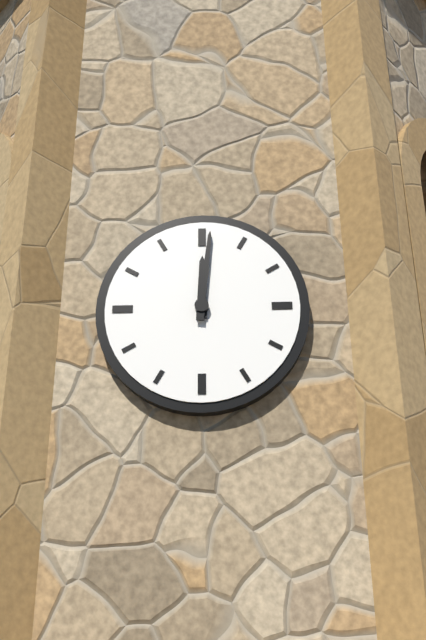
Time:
**12:01**
